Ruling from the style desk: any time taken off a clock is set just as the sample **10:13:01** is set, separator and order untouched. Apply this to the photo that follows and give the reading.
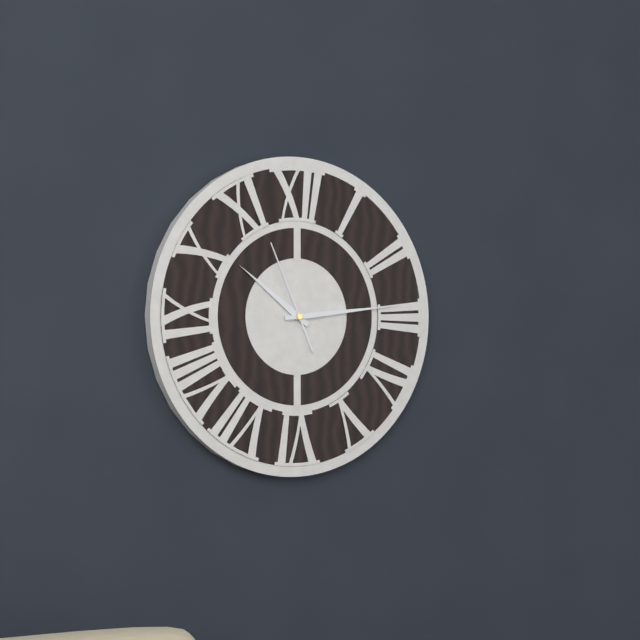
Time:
**10:14:56**
